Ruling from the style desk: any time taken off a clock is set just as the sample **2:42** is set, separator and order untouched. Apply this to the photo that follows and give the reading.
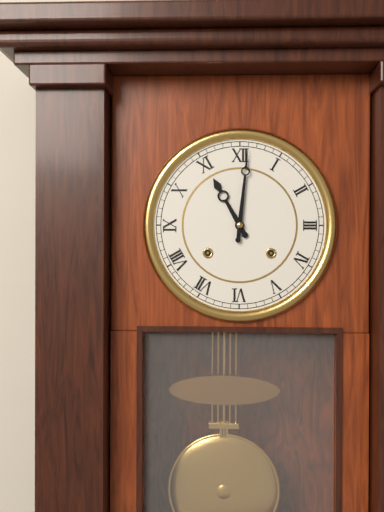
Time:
**11:01**
